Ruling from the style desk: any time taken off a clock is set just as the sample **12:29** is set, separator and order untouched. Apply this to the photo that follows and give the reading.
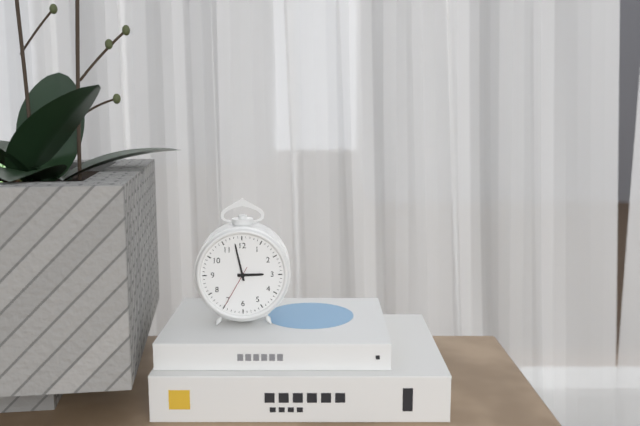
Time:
**2:58**
